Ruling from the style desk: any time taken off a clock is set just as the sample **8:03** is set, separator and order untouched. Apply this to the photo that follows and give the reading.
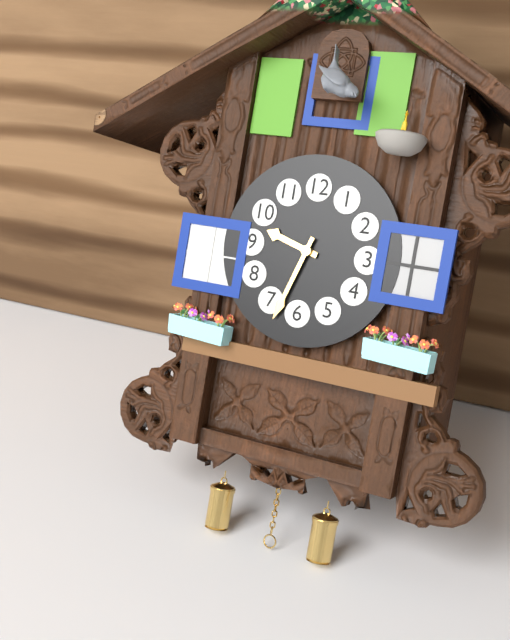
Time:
**9:33**
